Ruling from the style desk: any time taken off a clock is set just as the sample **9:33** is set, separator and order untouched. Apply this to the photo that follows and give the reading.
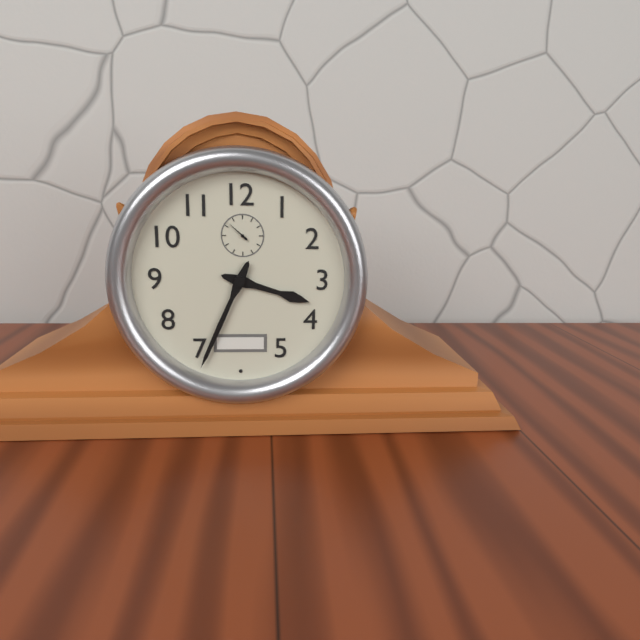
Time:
**3:34**
